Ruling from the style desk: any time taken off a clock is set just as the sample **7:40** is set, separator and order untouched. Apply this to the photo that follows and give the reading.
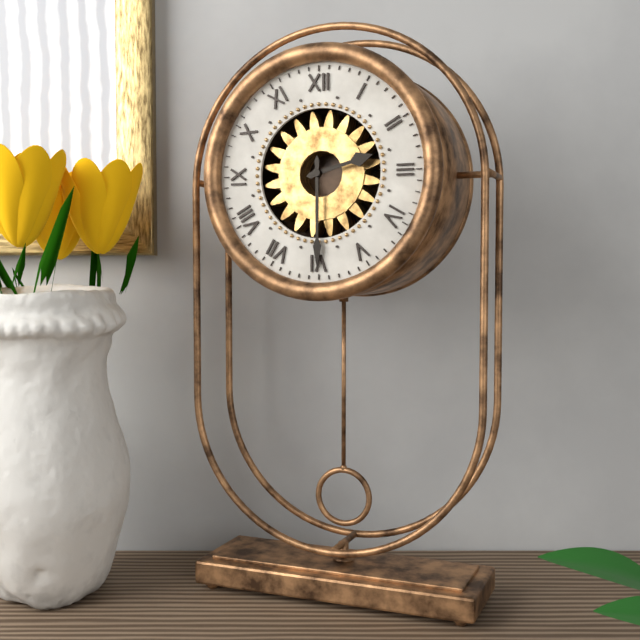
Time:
**2:30**
